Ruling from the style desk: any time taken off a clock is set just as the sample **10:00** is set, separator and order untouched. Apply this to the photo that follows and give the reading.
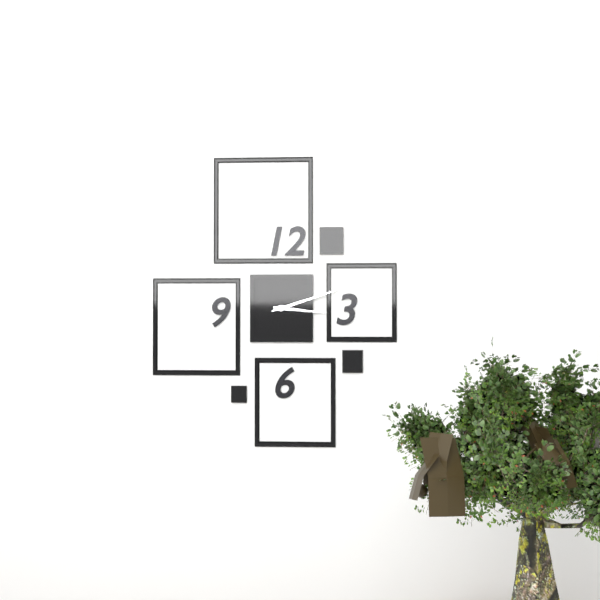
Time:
**3:12**
